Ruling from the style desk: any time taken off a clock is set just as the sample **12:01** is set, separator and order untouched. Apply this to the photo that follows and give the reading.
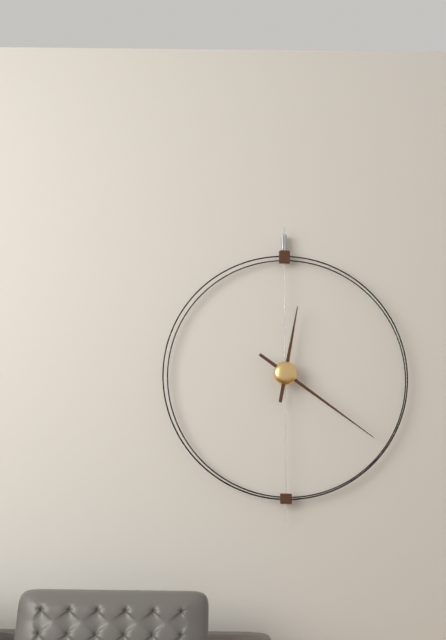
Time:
**12:21**
